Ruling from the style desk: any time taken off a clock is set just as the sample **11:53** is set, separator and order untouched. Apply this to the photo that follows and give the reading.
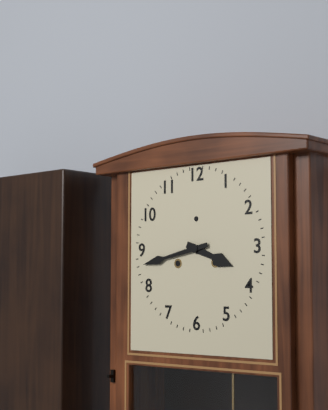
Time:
**3:43**
